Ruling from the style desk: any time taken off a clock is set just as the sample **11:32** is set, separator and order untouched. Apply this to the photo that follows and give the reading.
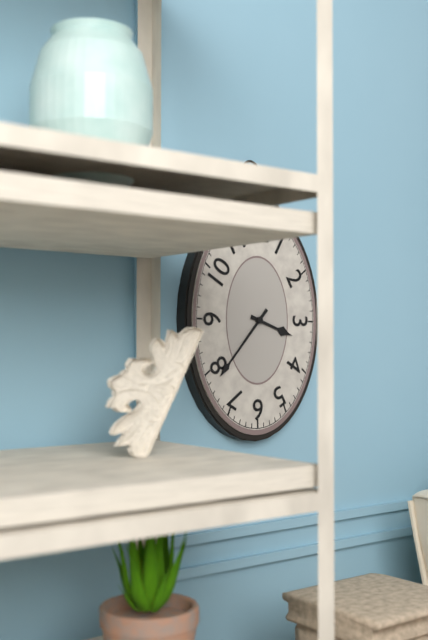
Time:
**3:37**
